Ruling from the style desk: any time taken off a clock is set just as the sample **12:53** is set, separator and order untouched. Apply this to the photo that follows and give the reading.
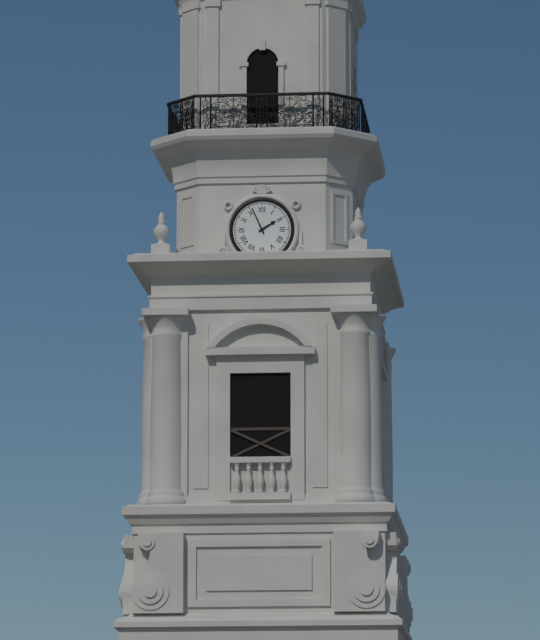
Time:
**1:56**
